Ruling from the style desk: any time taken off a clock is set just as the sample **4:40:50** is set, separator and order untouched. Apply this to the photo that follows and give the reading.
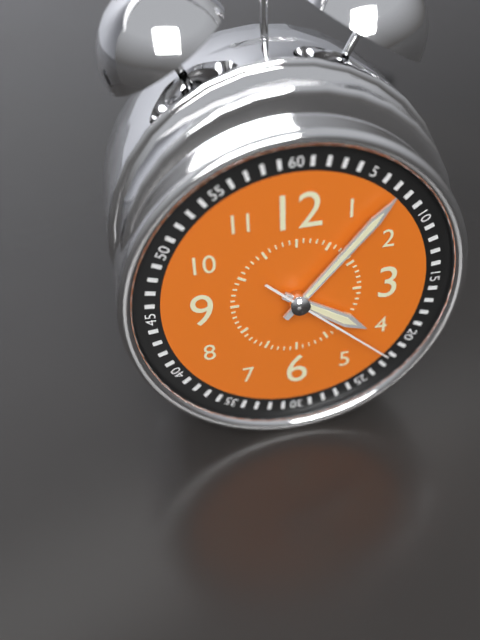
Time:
**4:07:22**
